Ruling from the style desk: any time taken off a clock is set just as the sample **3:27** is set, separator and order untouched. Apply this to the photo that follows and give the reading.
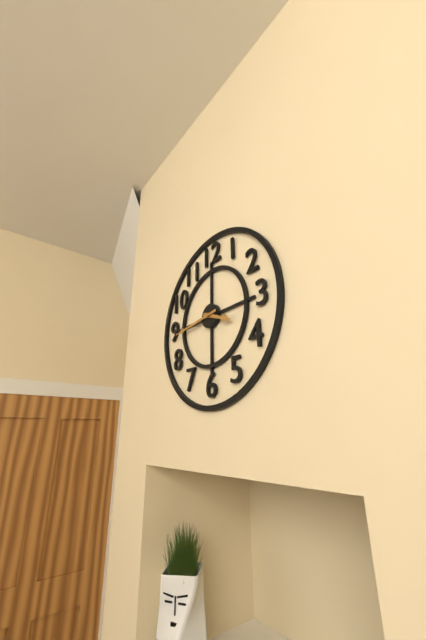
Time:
**3:44**
